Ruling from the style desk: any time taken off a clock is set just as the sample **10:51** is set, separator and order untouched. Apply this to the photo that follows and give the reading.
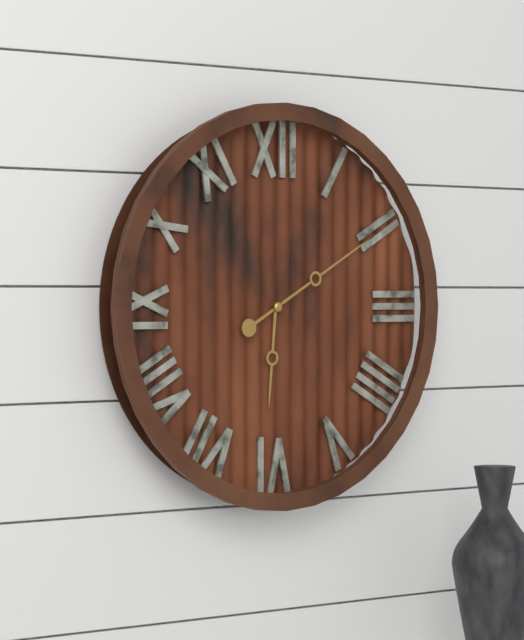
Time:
**6:10**
